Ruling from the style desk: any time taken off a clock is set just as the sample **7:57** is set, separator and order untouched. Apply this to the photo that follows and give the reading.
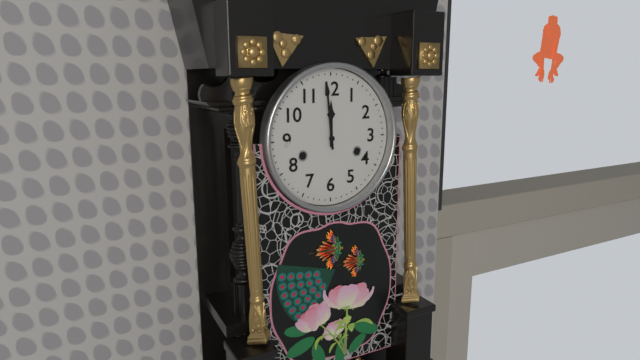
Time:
**11:59**
